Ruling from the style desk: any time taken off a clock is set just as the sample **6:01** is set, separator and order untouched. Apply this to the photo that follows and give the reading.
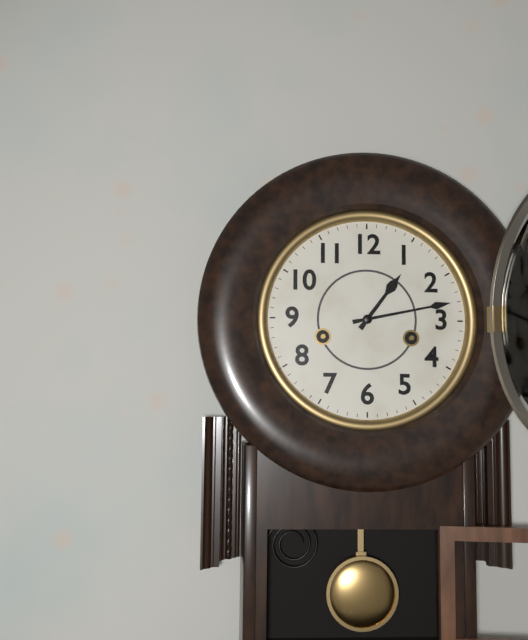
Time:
**1:13**
